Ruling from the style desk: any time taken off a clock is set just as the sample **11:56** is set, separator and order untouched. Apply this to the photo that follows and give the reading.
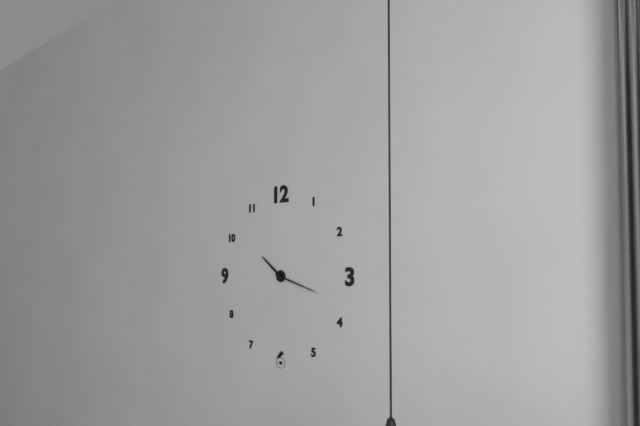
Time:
**10:18**
